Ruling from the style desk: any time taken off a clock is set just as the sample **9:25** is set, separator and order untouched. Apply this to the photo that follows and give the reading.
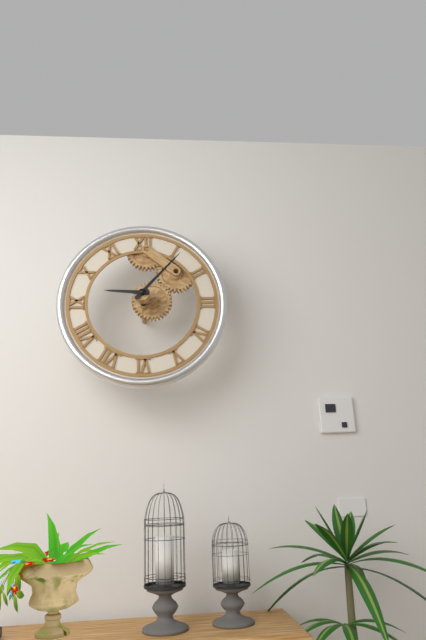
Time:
**9:07**
